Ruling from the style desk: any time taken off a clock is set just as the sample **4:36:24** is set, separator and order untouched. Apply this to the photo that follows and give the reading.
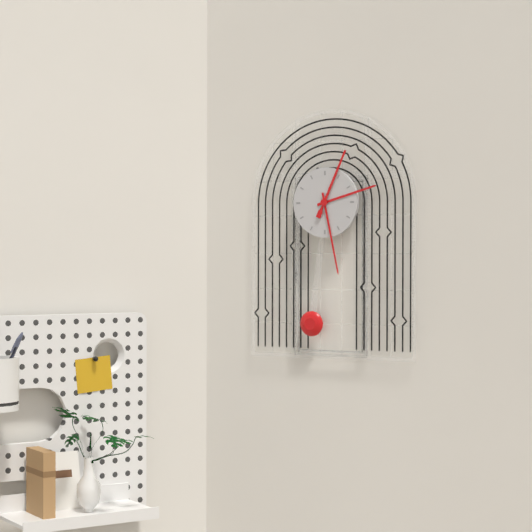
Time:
**2:28:04**
